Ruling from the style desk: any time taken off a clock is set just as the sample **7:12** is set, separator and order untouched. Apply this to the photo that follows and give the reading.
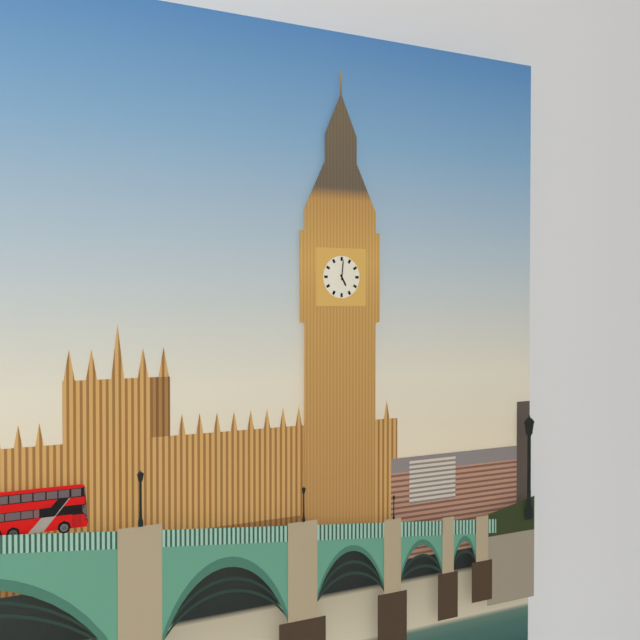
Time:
**5:01**
